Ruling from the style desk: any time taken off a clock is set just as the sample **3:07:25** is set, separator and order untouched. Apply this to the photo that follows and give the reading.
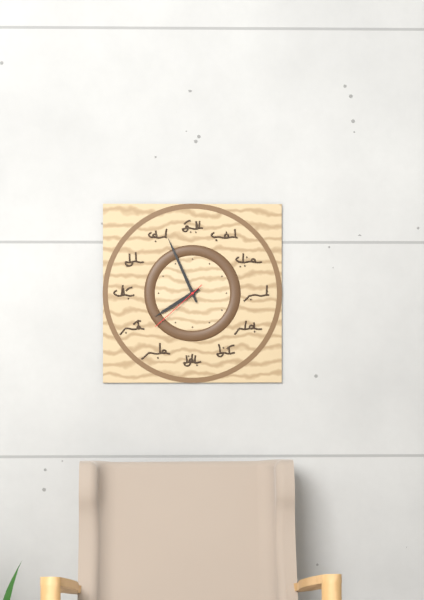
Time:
**7:56:38**
